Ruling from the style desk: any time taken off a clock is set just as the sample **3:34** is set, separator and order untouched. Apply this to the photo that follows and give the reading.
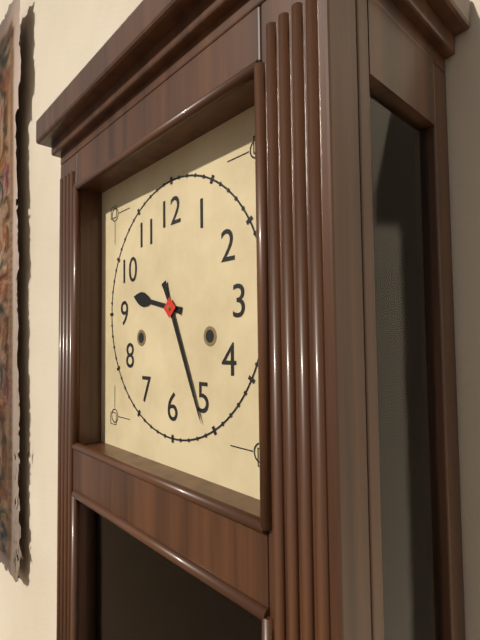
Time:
**9:26**
